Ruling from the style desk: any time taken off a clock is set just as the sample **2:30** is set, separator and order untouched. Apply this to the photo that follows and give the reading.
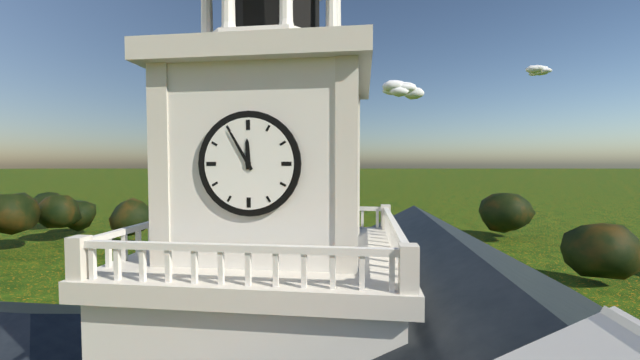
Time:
**11:55**
